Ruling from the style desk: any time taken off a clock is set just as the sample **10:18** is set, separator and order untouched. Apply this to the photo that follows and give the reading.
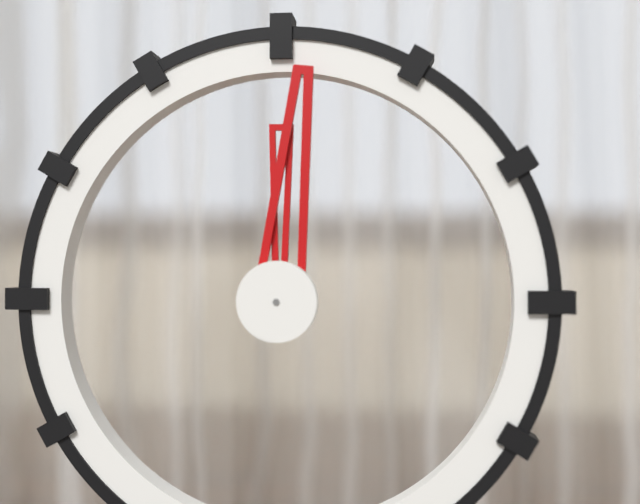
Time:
**12:01**
